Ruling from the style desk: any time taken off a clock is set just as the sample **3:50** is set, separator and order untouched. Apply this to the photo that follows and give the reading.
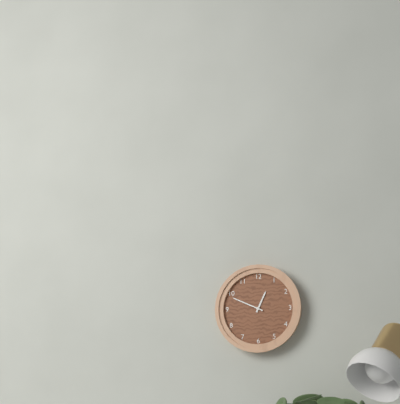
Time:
**12:49**
